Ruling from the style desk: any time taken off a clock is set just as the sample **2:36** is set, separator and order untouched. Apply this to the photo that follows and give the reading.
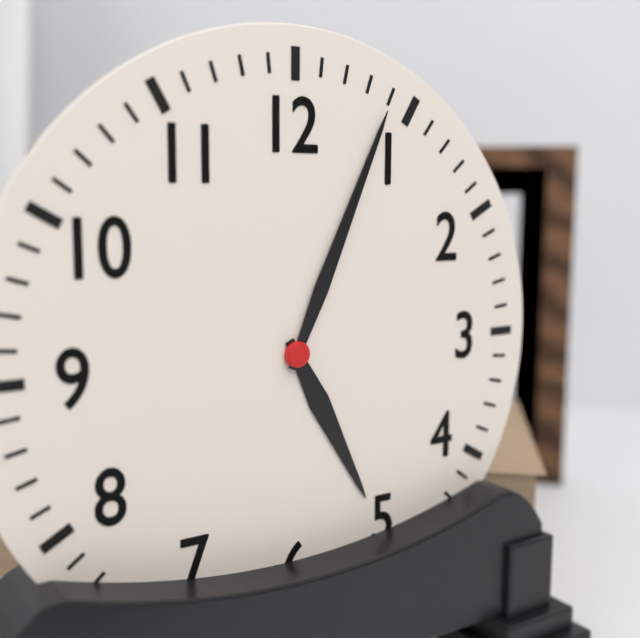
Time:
**5:04**
